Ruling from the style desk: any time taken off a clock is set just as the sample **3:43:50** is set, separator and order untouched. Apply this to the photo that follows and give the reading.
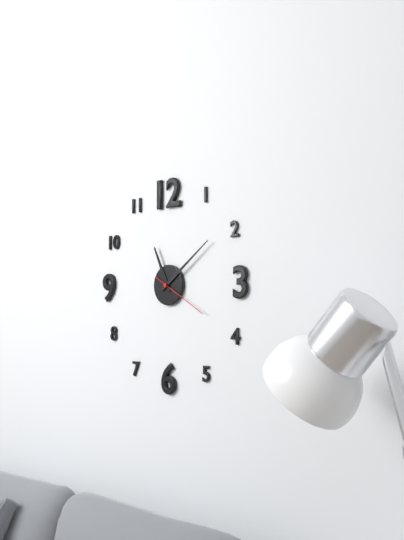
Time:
**11:09:20**
